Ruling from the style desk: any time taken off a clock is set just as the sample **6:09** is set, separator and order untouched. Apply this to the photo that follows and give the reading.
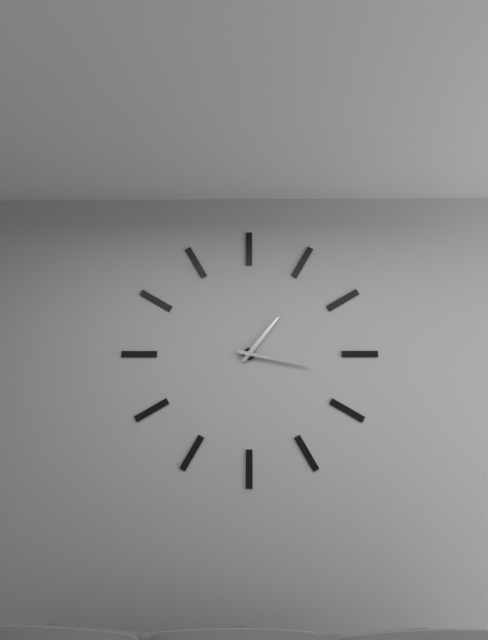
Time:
**1:17**
